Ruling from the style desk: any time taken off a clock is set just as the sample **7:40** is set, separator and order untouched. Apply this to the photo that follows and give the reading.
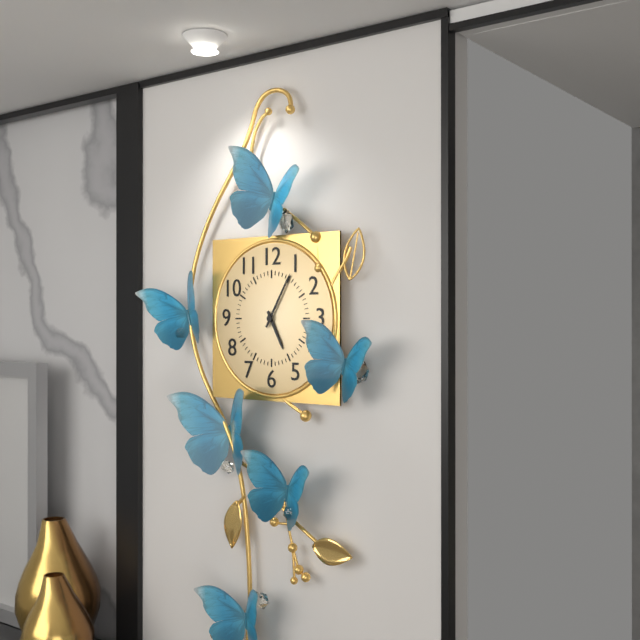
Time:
**5:05**
